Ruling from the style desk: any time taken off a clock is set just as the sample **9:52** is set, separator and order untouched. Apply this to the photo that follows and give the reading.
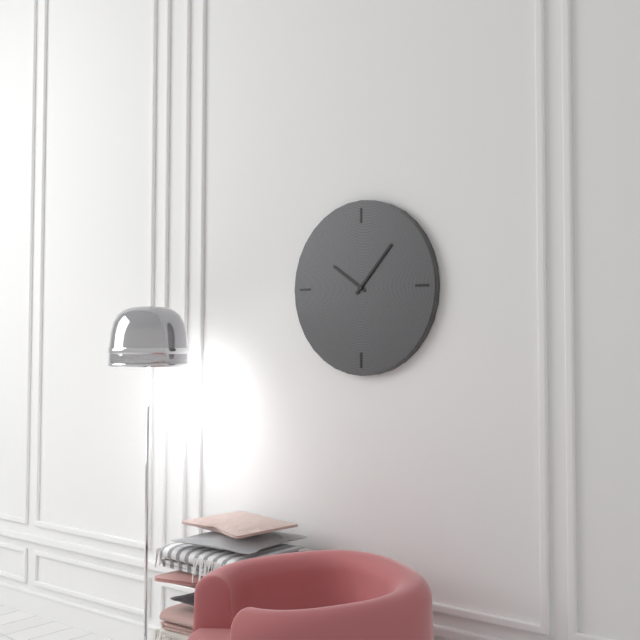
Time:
**10:07**
